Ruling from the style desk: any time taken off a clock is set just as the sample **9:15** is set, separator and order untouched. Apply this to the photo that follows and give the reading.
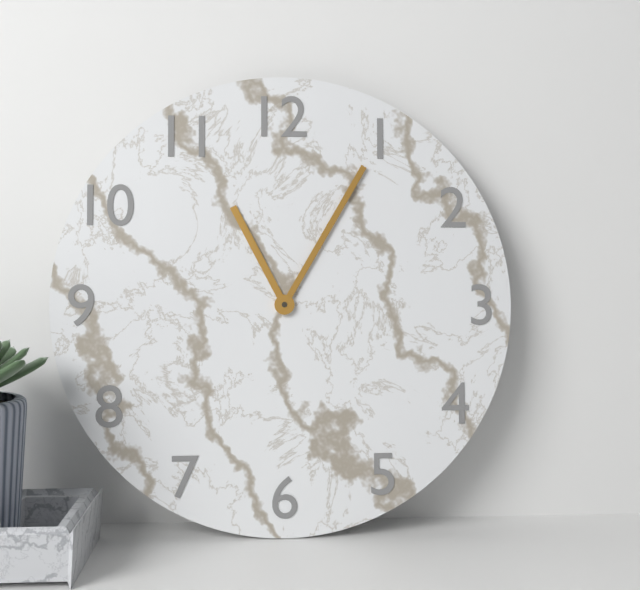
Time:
**11:05**
